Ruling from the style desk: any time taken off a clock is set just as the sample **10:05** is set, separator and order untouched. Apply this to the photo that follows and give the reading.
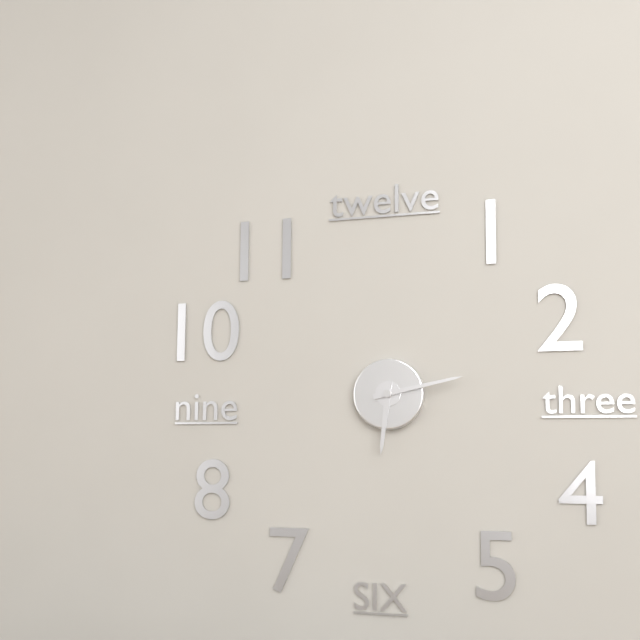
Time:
**6:13**
